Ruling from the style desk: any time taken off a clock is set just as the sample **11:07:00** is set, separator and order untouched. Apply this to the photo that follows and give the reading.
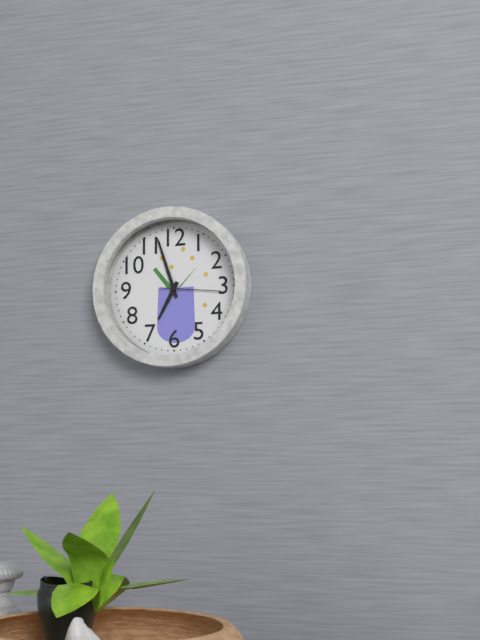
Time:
**6:57:16**
